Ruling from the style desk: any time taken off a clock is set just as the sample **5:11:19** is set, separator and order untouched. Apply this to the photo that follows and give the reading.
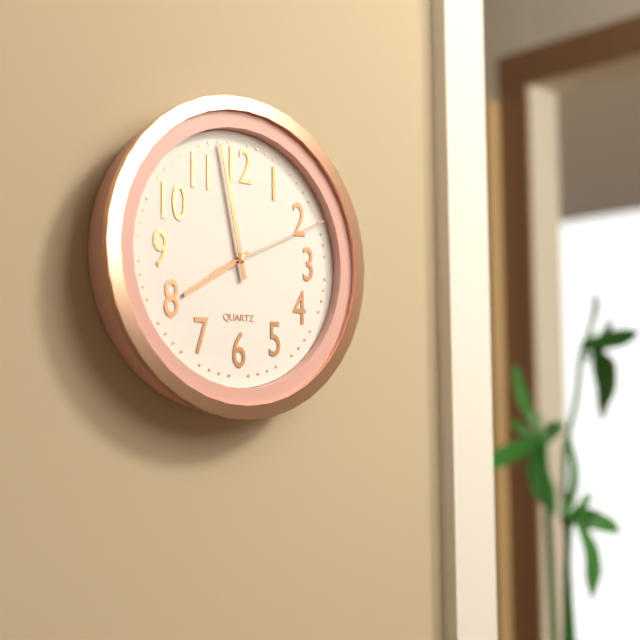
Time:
**7:58:11**
